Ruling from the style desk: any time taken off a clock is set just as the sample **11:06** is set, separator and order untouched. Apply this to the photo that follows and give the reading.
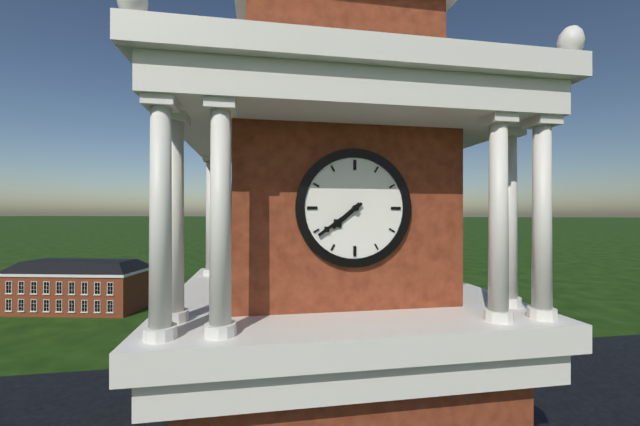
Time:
**7:39**
